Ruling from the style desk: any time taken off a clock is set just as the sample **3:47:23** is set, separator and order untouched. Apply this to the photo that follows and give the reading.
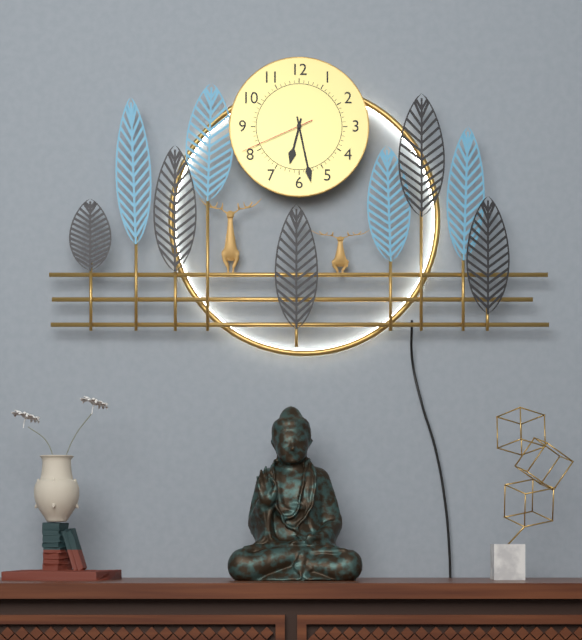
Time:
**6:28:41**
